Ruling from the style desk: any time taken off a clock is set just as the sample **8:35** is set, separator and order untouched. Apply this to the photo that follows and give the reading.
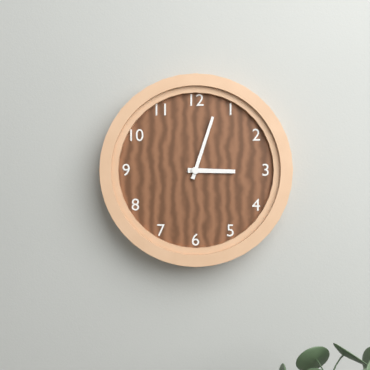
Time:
**3:03**
